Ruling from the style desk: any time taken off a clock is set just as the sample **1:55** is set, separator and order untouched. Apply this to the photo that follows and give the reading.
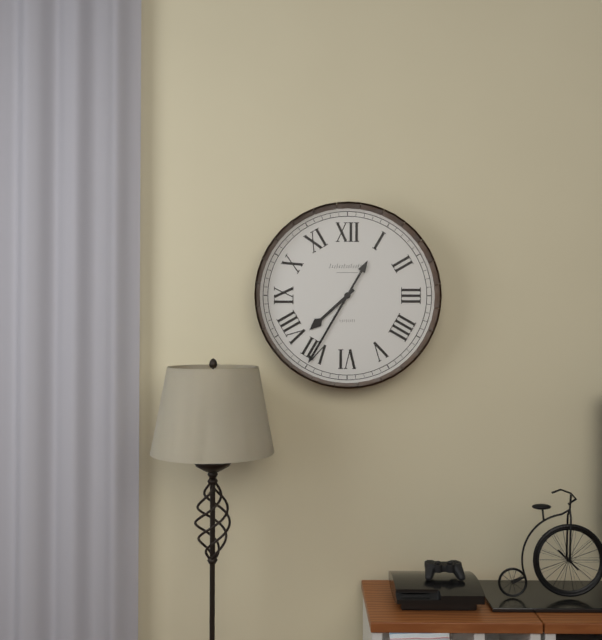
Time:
**7:35**
